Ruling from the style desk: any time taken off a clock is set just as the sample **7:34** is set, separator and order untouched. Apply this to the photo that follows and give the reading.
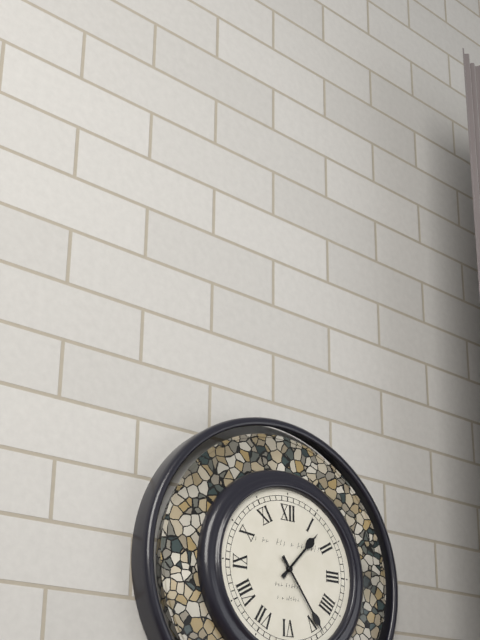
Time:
**1:24**
